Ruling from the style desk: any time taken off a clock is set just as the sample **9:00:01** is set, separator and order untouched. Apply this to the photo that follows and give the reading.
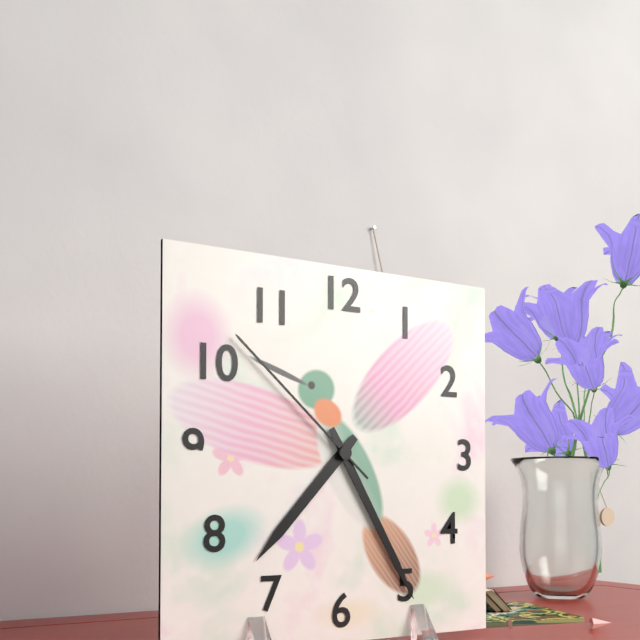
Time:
**7:25:52**
